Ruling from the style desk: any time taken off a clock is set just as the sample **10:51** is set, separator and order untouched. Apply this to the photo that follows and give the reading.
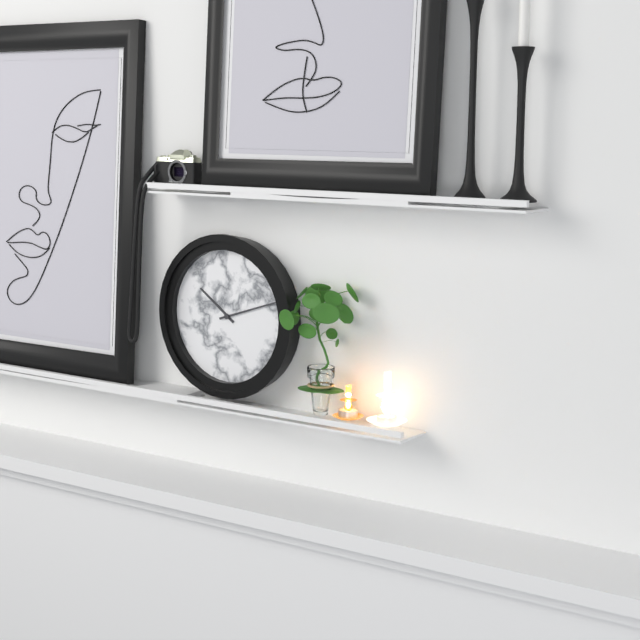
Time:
**10:12**
